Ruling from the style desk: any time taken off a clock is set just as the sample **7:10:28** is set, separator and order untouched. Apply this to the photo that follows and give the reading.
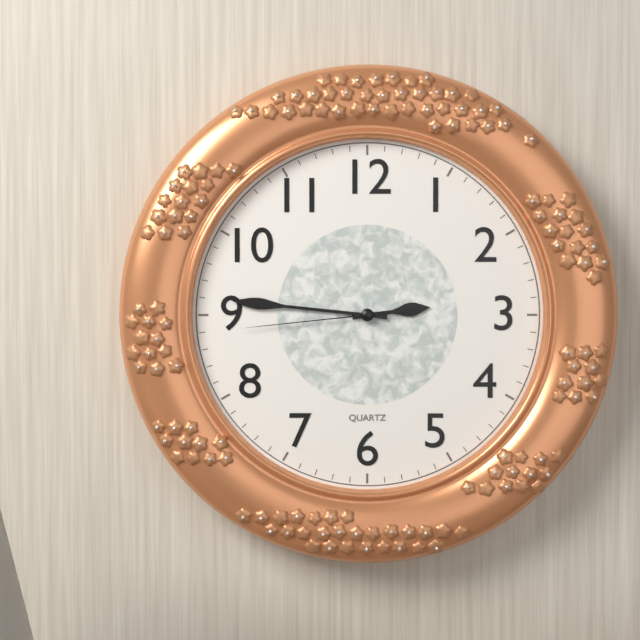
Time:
**2:46:44**
